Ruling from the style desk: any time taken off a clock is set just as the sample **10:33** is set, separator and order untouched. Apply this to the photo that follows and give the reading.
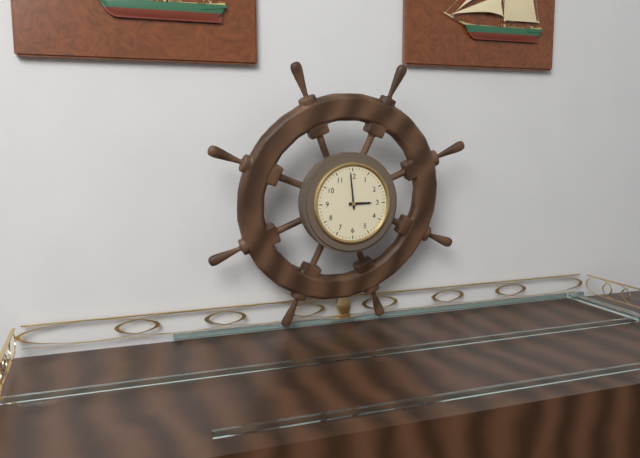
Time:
**2:59**
